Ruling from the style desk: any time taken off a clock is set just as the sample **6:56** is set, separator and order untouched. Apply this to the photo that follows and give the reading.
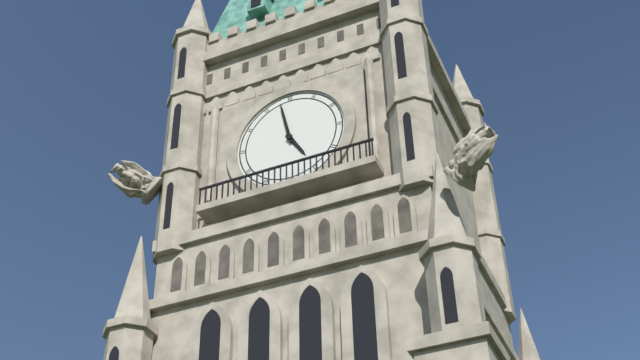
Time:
**4:58**
